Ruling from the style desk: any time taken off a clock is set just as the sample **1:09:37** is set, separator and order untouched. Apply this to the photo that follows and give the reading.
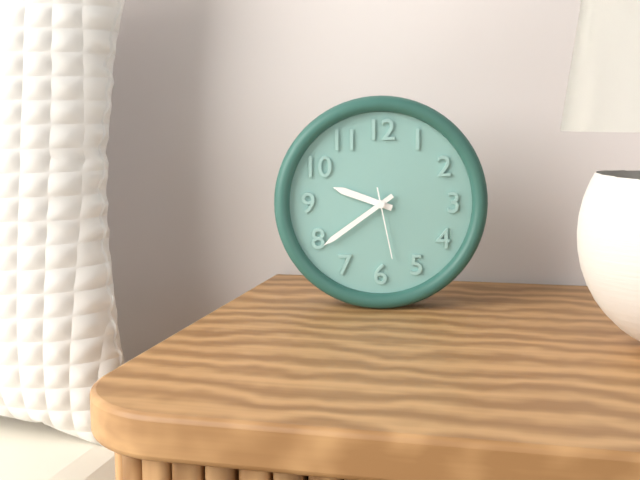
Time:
**9:39:28**
